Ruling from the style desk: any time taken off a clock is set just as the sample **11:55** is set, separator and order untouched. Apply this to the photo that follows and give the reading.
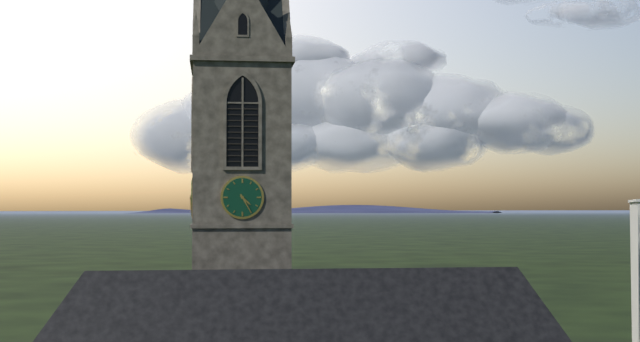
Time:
**4:25**
